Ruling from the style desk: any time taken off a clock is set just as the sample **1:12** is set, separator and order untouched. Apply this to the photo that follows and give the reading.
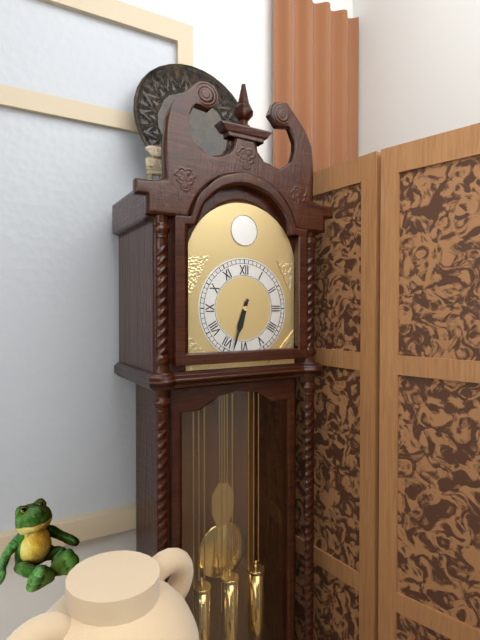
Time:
**6:33**
